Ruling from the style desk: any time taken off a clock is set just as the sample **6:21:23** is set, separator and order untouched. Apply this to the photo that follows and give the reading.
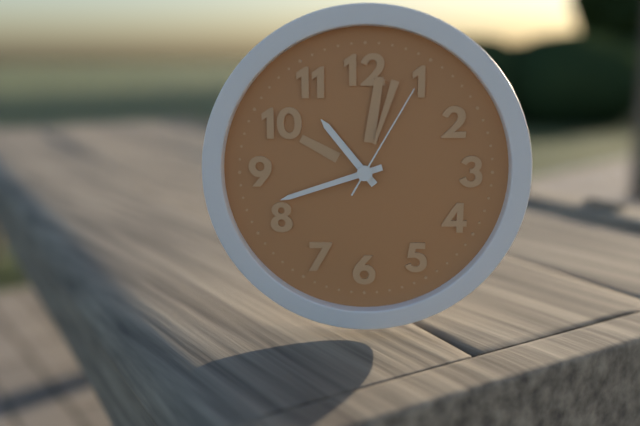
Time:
**10:42:05**
